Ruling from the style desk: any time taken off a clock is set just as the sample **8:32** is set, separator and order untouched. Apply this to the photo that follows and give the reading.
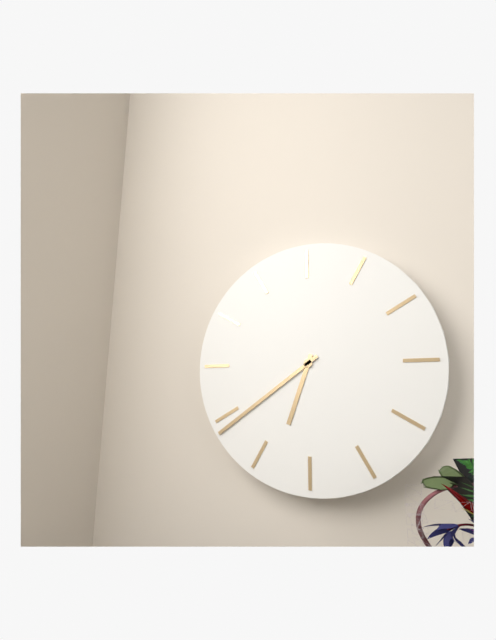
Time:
**6:39**
